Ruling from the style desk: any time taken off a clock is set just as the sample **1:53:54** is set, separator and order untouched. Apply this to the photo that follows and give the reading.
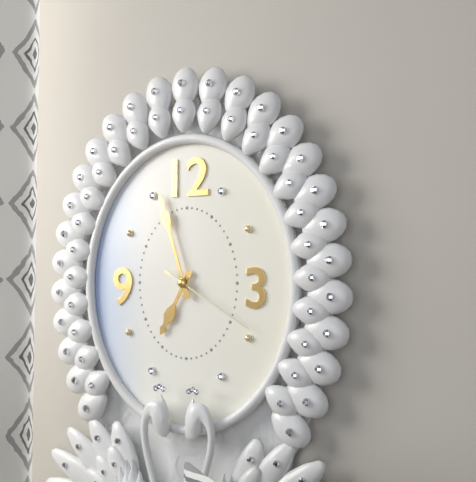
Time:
**6:57:20**
